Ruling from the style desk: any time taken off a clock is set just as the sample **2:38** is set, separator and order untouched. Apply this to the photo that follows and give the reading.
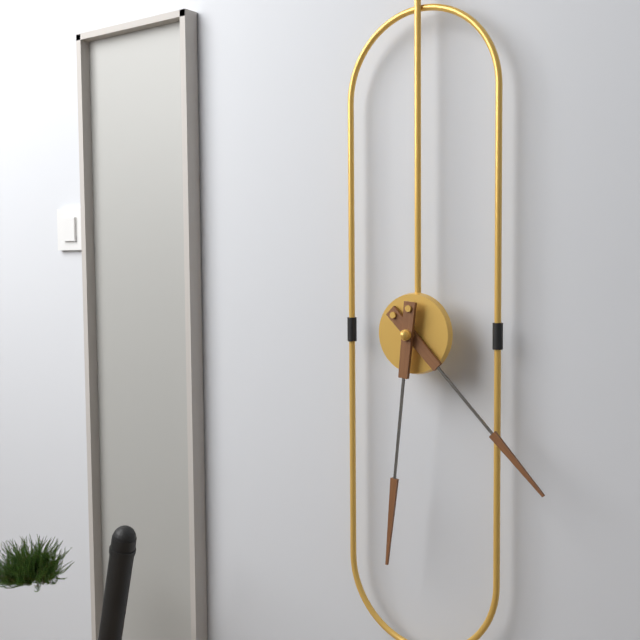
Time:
**4:31**
